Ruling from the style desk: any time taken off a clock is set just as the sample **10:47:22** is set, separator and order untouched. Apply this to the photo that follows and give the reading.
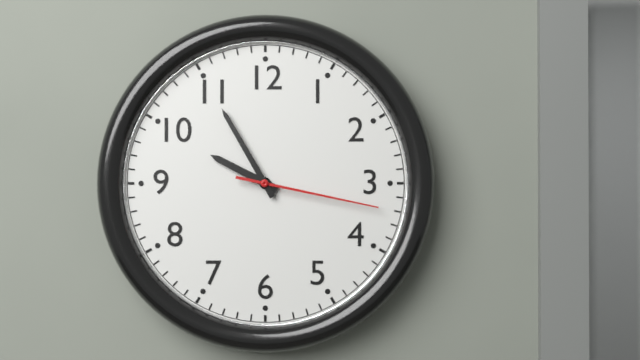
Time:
**9:55:17**
